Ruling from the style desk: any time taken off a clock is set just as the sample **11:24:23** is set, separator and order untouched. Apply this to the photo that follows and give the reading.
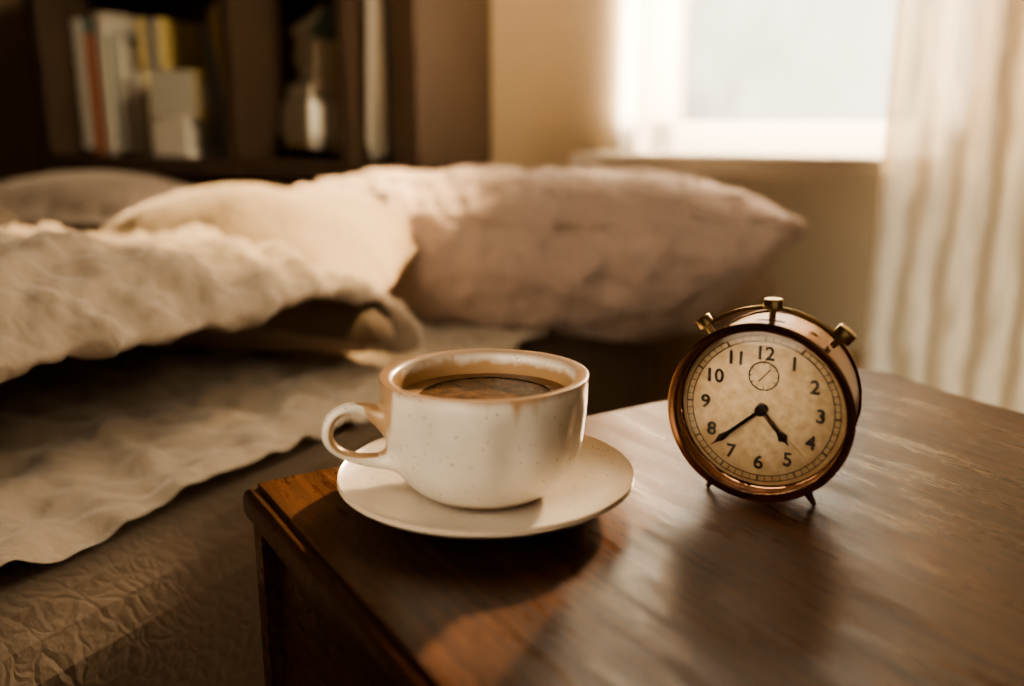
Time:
**4:38:22**
